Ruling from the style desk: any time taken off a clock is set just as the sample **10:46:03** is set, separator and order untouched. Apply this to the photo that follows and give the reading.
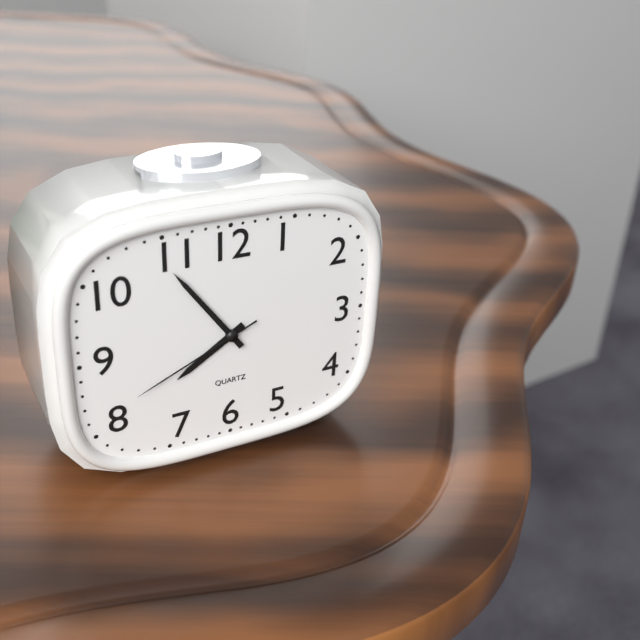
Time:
**7:54:41**
